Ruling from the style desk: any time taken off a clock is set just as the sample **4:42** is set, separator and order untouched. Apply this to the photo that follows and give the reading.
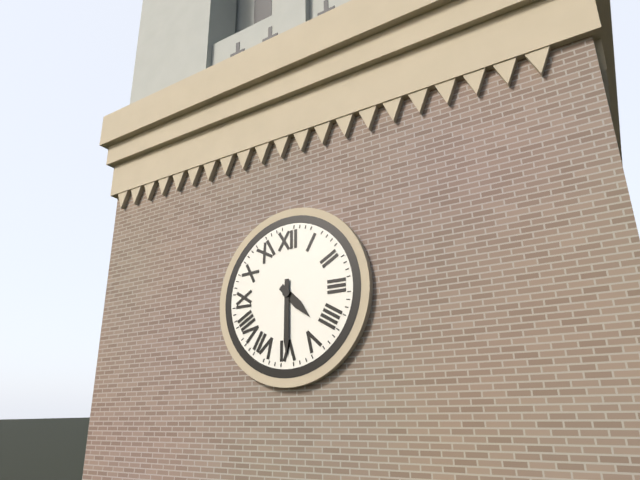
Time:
**4:30**
